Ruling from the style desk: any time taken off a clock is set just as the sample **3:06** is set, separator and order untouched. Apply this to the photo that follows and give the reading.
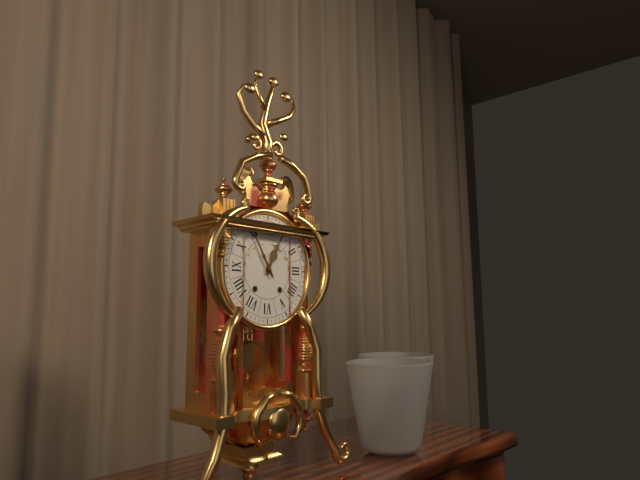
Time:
**12:55**
